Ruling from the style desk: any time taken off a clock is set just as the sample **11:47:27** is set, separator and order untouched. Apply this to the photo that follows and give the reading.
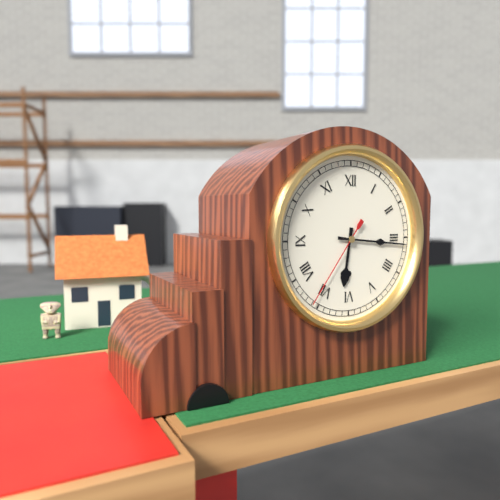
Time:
**6:16:36**
